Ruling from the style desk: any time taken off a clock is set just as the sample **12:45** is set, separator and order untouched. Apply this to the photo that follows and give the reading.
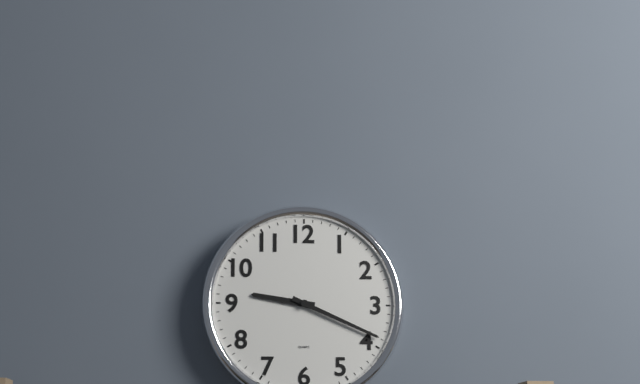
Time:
**9:19**
